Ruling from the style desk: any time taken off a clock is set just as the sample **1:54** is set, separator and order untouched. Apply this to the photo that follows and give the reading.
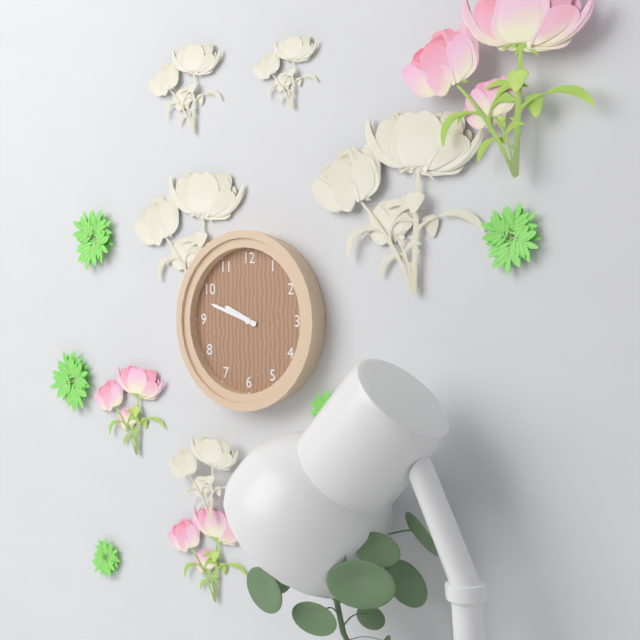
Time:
**9:48**
